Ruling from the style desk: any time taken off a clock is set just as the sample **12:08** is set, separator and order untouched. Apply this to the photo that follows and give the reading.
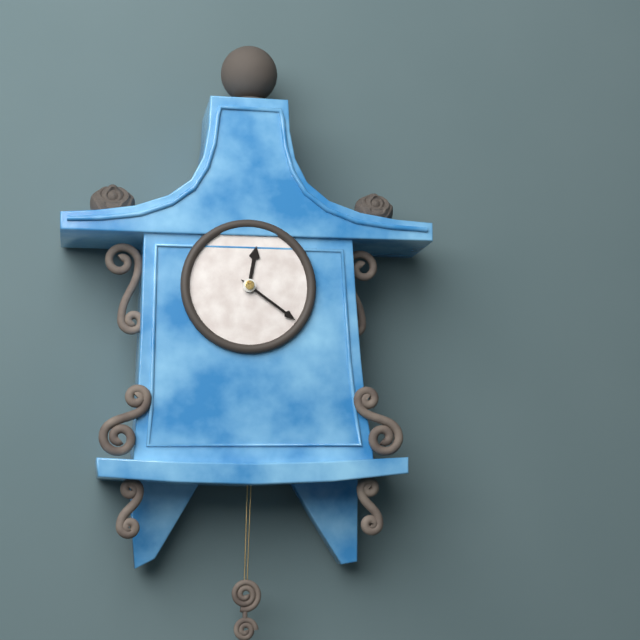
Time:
**12:21**
